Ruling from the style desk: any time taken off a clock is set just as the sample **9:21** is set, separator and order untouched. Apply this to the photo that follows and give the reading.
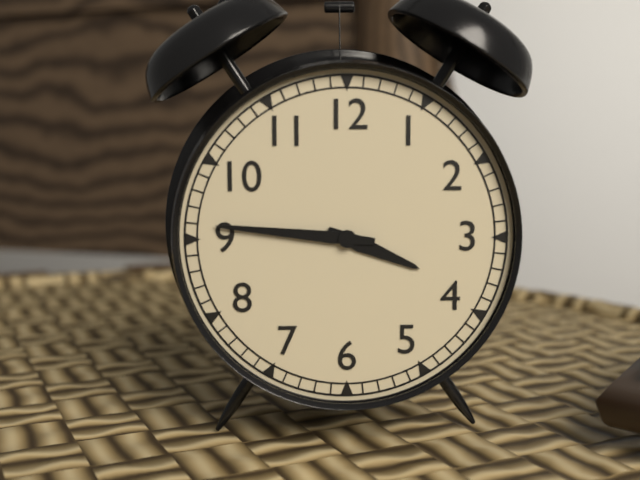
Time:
**3:46**
